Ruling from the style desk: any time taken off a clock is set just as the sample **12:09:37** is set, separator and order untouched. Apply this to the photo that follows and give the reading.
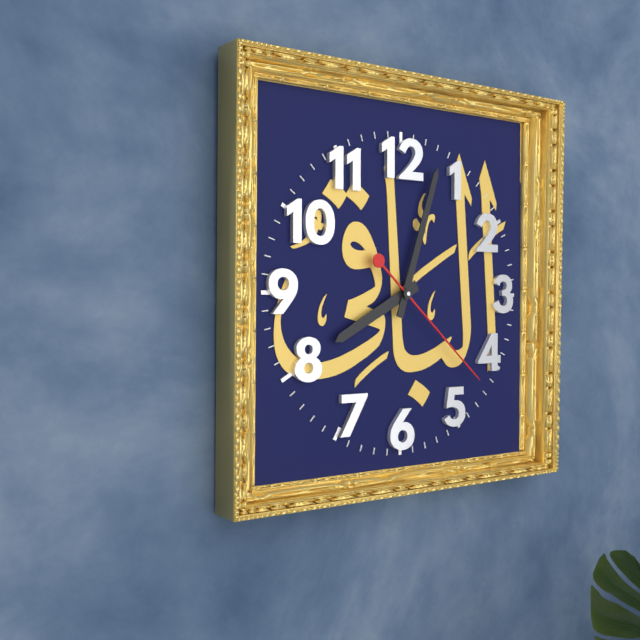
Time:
**8:03:22**
